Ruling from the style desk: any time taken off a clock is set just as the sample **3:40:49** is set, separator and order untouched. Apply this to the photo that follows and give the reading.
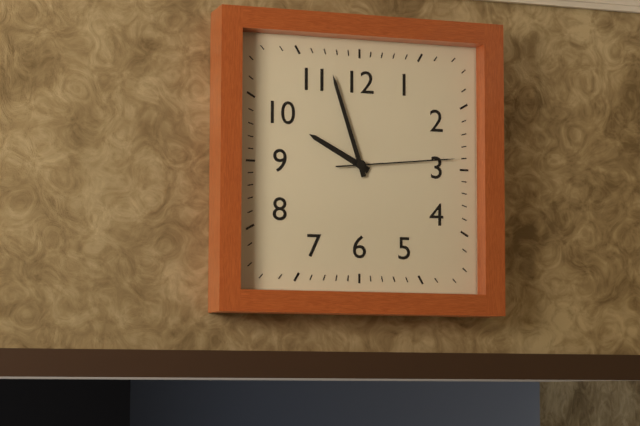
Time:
**9:57:14**
